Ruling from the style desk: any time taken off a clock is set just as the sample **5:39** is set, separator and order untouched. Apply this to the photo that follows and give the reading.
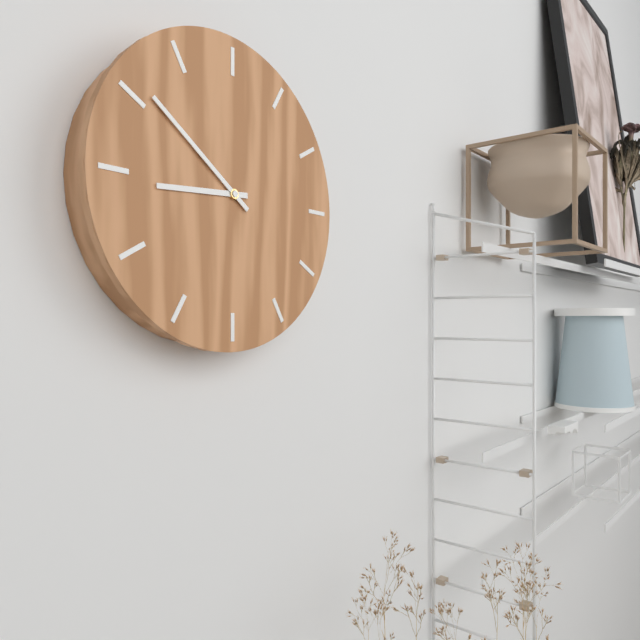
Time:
**8:51**
